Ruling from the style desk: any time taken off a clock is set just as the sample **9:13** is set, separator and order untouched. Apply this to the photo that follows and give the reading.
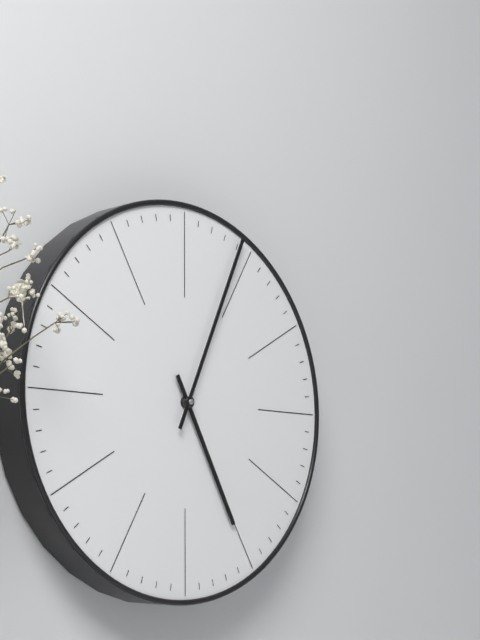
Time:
**5:04**
